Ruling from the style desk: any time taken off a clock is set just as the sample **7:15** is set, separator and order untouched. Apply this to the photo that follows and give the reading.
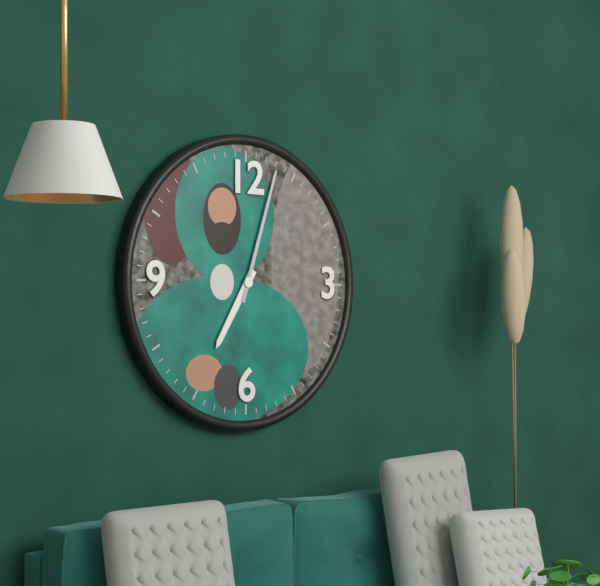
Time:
**7:03**
